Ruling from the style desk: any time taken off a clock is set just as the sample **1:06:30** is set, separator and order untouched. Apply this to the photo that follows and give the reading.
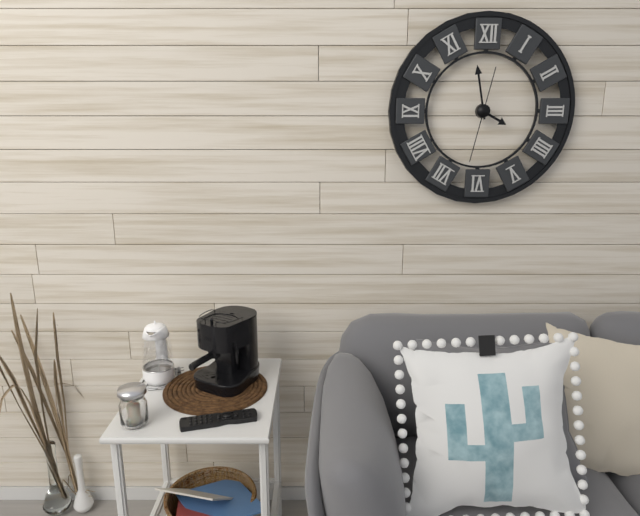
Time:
**3:58:32**
